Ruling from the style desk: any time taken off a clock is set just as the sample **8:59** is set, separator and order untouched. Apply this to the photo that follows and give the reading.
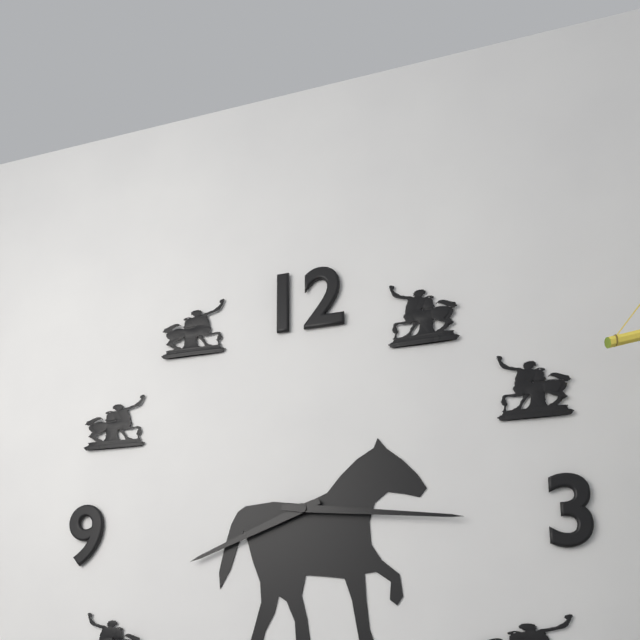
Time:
**8:16**
